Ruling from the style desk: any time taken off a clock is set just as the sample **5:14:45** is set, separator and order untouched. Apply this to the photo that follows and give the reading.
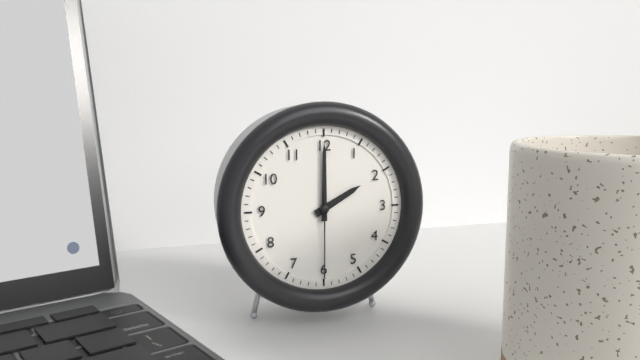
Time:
**2:00:30**
